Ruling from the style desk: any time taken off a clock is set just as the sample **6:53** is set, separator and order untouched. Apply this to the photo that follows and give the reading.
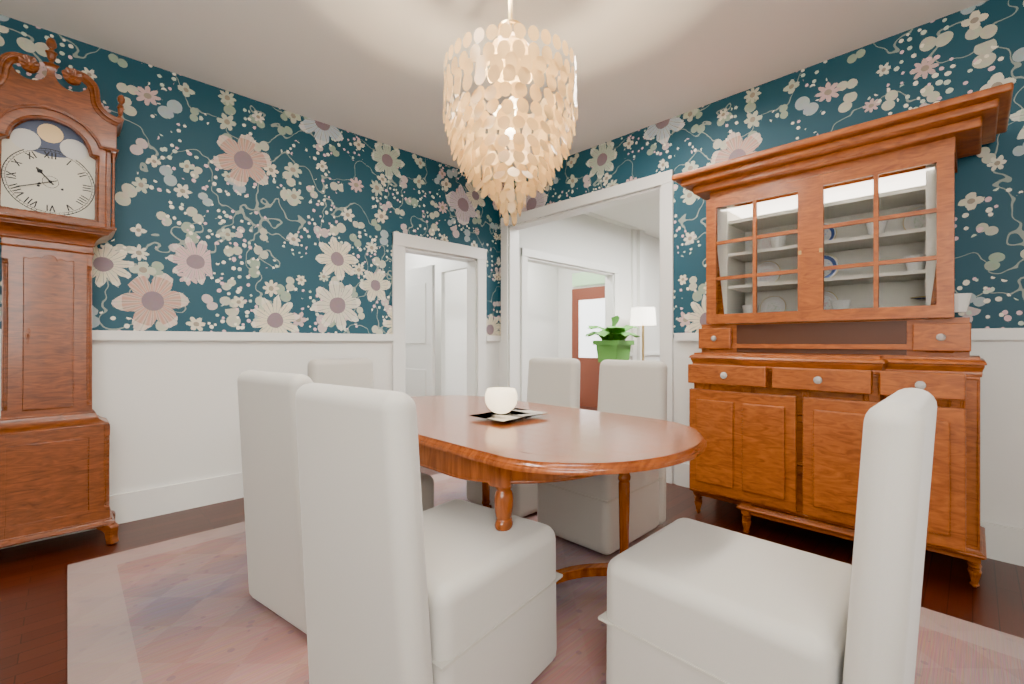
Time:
**10:41**
